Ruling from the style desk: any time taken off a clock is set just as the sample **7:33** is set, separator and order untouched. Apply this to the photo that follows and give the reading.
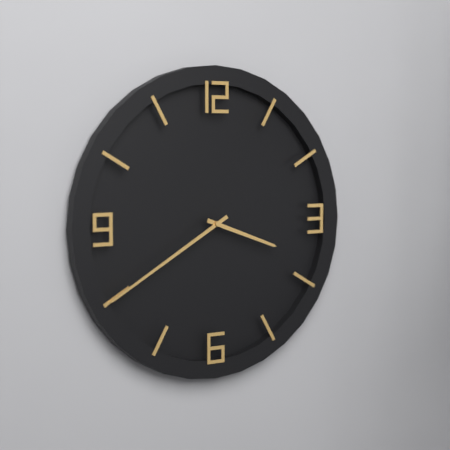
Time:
**3:40**
